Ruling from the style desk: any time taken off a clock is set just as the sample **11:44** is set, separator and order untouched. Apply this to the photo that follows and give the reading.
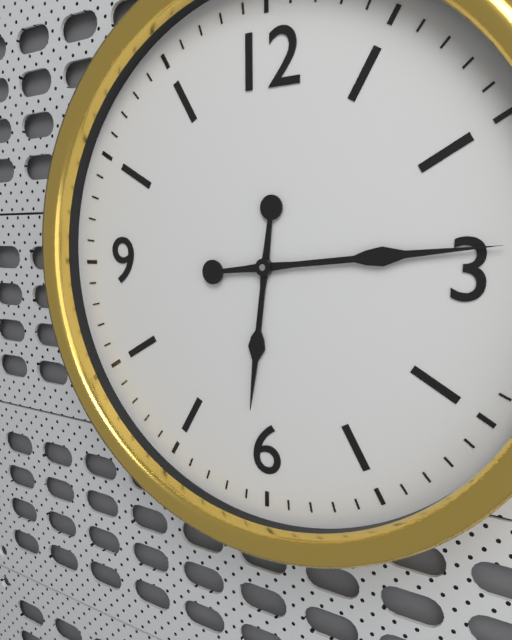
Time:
**6:14**
